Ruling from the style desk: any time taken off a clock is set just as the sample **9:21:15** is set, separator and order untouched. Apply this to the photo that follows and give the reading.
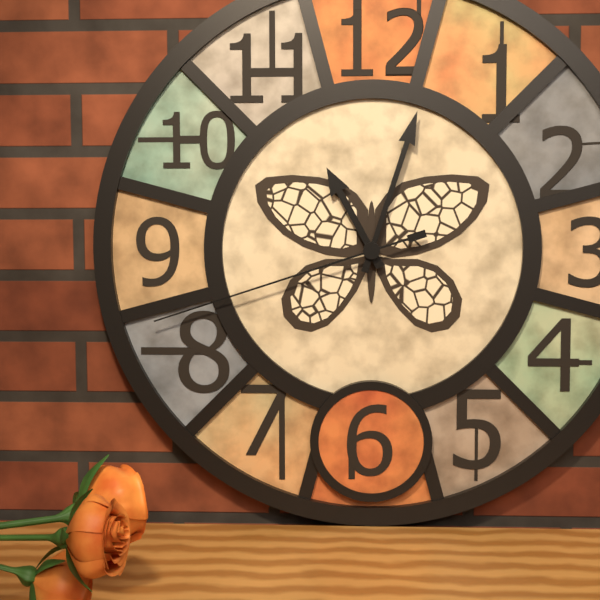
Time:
**11:03:42**
